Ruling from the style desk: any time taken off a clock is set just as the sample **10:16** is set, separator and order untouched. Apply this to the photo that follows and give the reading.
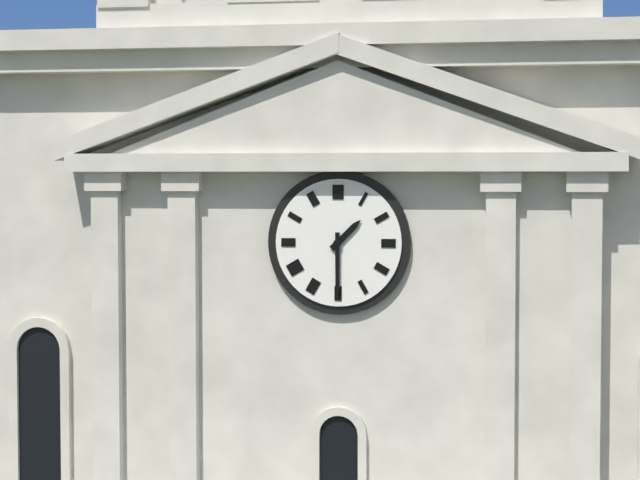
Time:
**1:30**
